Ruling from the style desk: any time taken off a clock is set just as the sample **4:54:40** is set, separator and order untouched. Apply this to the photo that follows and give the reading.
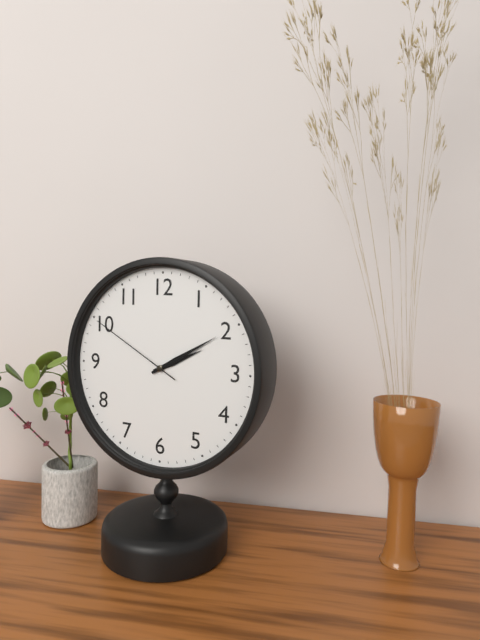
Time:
**2:10:50**
